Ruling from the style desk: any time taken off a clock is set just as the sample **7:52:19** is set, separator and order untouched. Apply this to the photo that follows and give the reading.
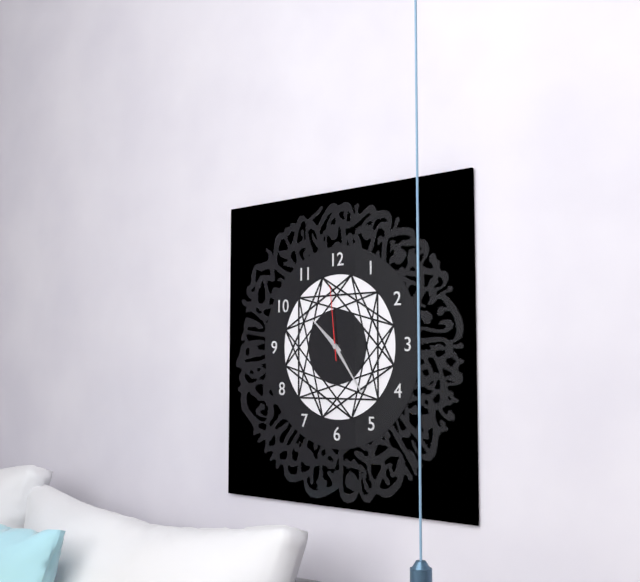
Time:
**10:24:59**
